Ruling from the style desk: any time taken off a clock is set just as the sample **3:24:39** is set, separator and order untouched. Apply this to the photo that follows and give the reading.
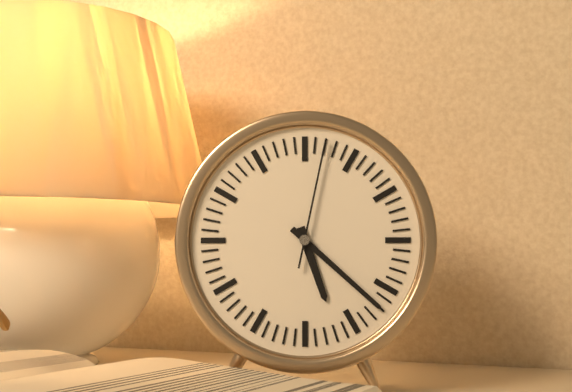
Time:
**5:22:02**
